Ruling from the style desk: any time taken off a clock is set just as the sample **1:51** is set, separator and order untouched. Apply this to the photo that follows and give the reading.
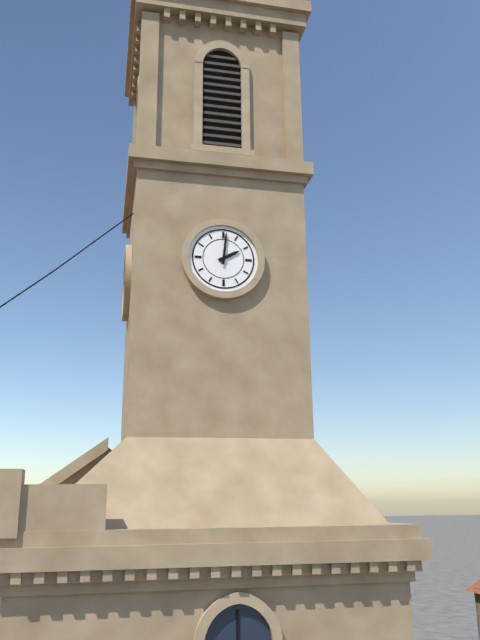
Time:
**2:01**
